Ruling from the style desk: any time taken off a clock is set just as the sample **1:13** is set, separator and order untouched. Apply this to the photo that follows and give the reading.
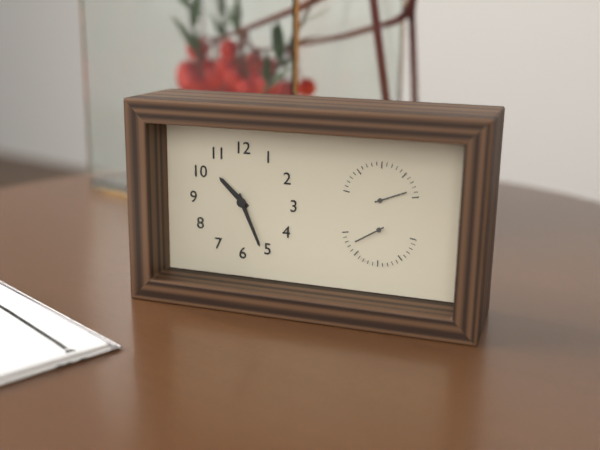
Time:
**10:26**
